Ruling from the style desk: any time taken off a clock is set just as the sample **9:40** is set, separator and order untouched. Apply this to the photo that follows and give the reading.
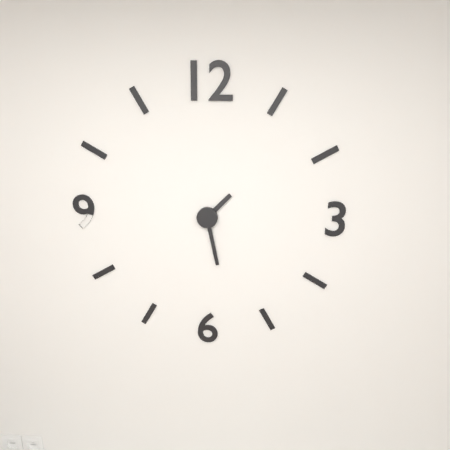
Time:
**1:28**
